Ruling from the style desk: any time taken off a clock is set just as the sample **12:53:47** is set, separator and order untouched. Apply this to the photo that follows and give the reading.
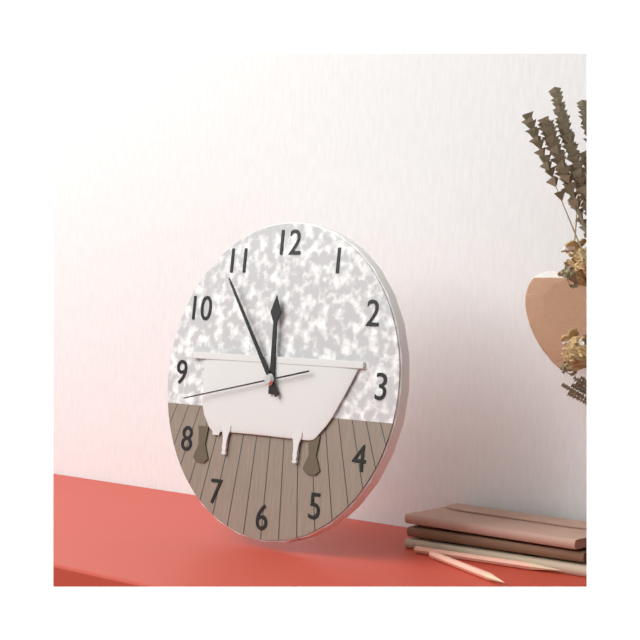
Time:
**11:54:43**
